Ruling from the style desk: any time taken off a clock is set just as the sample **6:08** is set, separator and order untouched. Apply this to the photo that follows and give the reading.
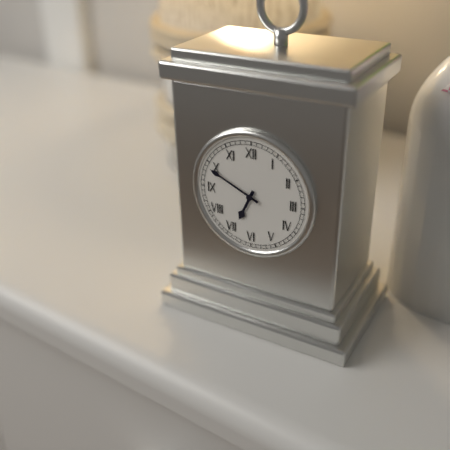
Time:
**6:49**
